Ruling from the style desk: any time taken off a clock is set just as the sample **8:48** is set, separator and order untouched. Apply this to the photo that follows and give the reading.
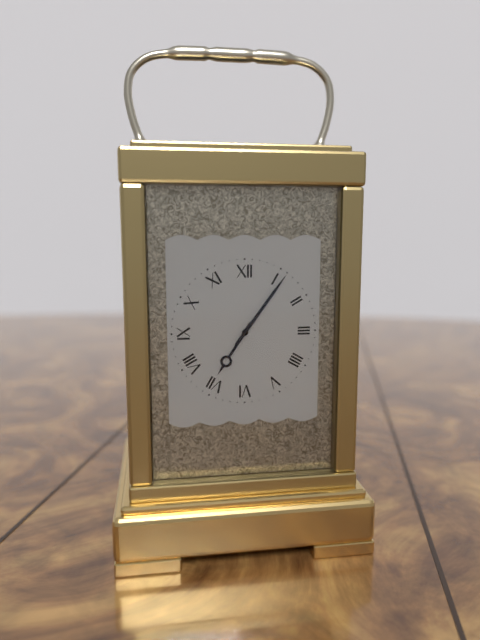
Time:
**7:06**
